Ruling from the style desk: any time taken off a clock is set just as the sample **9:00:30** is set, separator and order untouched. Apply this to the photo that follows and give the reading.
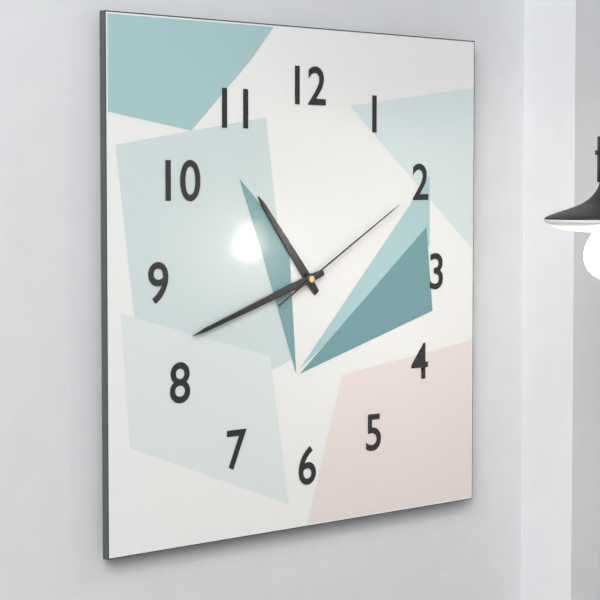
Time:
**10:42:10**
